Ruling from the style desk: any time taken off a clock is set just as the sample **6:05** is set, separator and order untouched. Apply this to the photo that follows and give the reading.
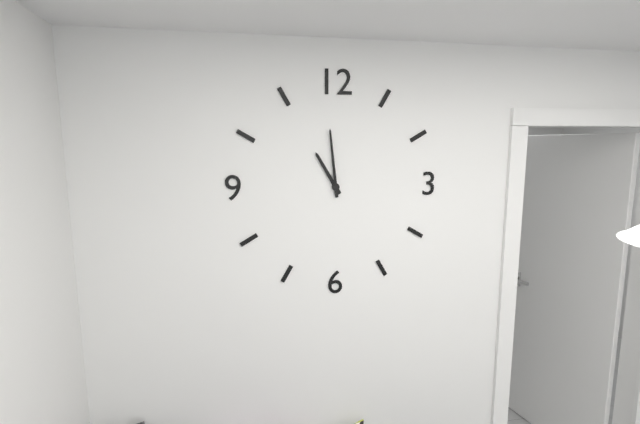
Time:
**10:59**
